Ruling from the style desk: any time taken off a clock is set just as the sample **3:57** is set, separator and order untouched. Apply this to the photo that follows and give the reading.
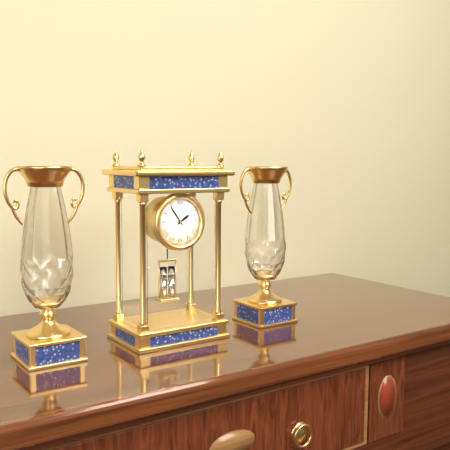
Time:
**1:54**
